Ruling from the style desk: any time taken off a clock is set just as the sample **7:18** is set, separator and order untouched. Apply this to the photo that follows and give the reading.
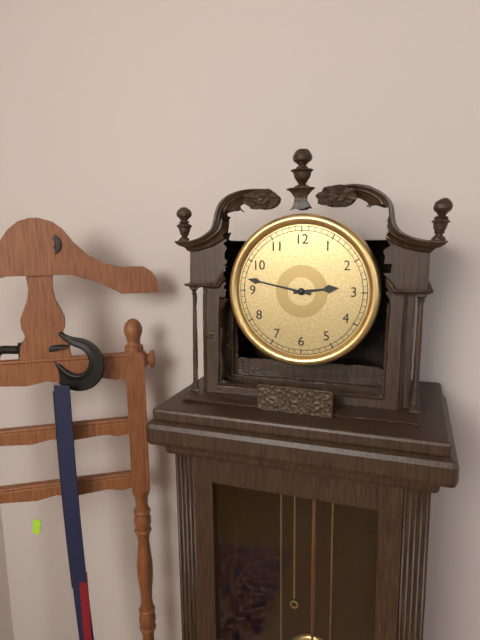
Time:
**2:47**
